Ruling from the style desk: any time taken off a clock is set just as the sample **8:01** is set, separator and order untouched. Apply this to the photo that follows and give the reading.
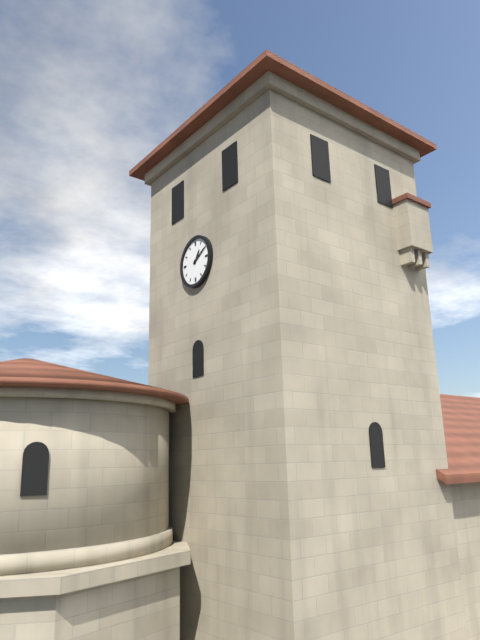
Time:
**1:10**
